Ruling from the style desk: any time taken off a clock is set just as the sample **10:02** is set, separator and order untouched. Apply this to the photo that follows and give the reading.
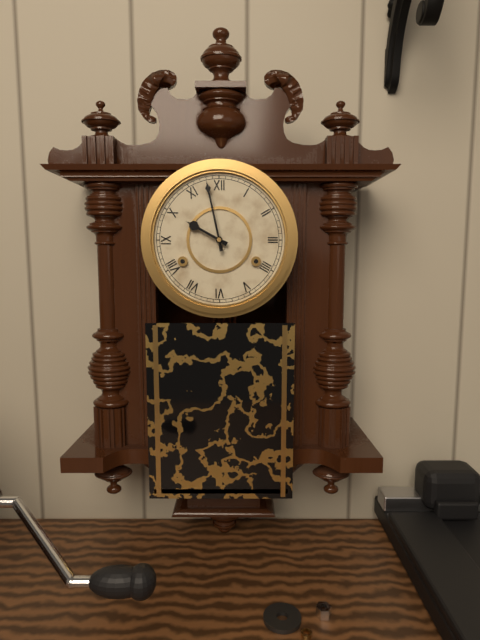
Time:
**9:58**
